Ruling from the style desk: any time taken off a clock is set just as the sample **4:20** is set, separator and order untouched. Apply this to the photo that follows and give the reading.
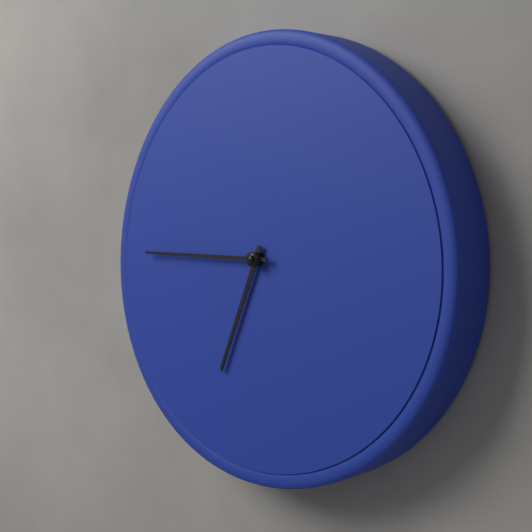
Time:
**6:45**
